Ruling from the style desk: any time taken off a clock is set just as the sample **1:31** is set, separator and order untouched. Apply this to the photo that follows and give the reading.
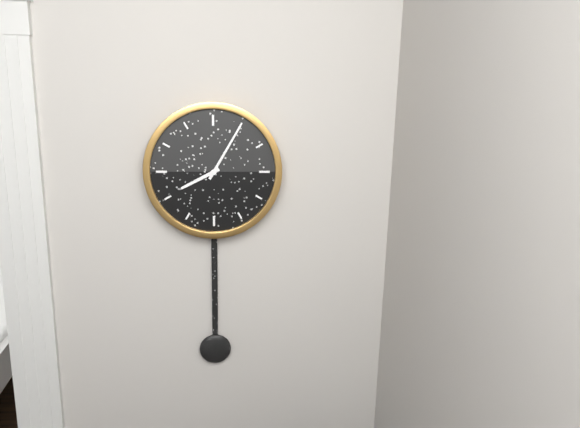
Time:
**8:05**
